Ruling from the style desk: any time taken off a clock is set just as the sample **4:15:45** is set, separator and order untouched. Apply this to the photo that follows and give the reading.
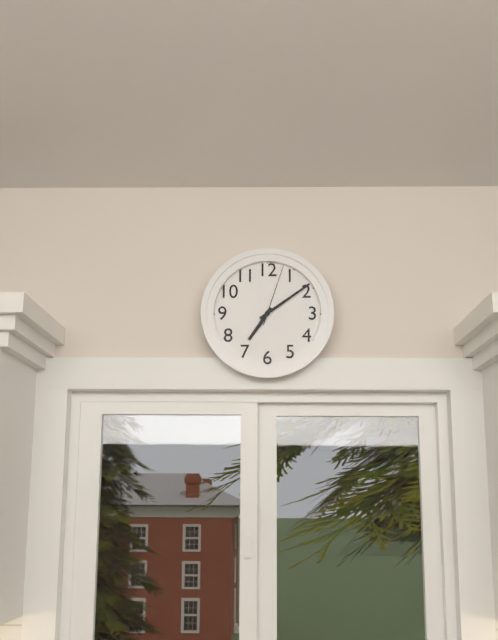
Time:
**7:09:03**
